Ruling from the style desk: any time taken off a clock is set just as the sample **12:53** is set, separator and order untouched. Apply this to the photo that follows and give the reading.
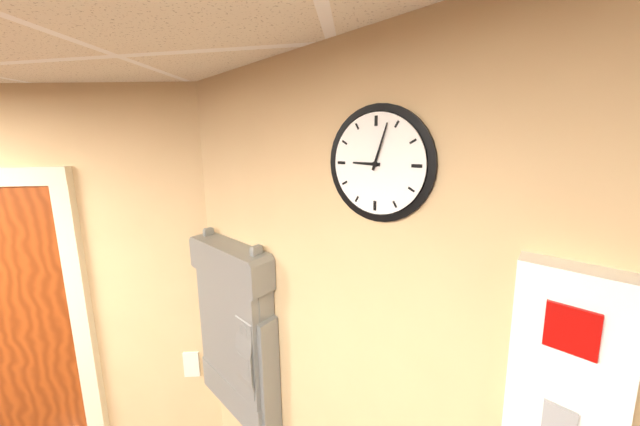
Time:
**9:03**
